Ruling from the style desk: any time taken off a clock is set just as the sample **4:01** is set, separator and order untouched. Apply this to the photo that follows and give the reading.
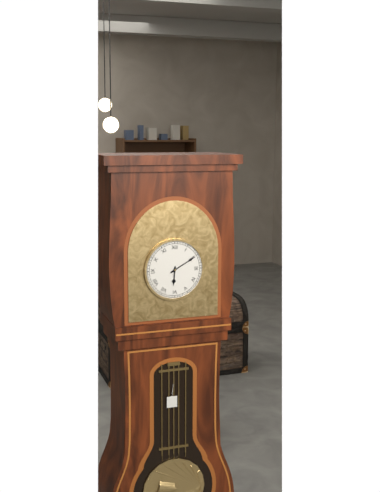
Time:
**6:10**
